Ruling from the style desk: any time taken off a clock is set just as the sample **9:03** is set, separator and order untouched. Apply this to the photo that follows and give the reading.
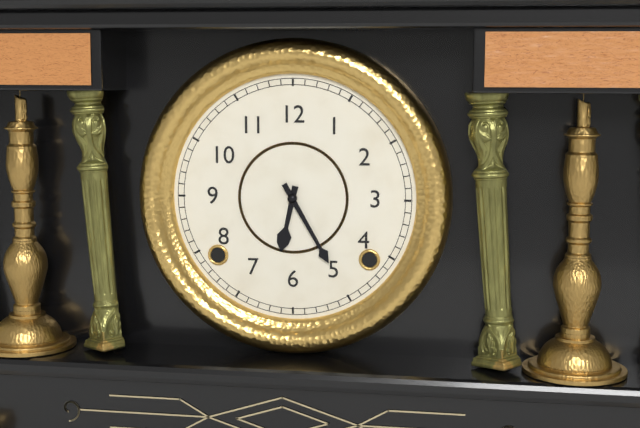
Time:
**6:25**
